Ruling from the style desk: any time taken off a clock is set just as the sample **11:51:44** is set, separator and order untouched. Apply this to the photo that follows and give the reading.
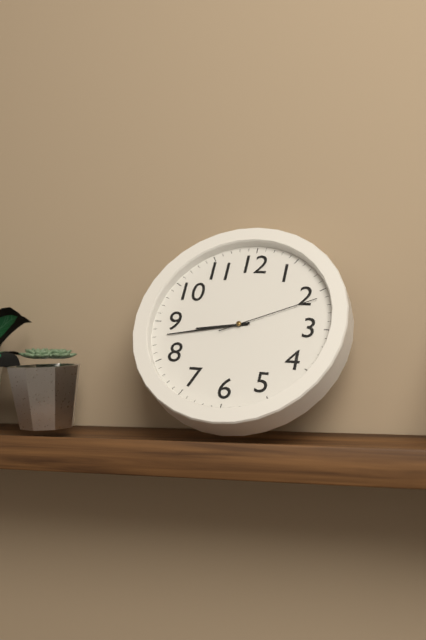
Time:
**8:43:11**
